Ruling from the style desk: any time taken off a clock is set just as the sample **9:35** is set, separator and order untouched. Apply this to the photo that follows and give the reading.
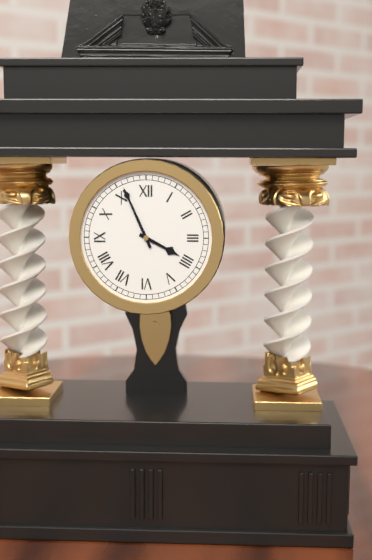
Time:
**3:56**
